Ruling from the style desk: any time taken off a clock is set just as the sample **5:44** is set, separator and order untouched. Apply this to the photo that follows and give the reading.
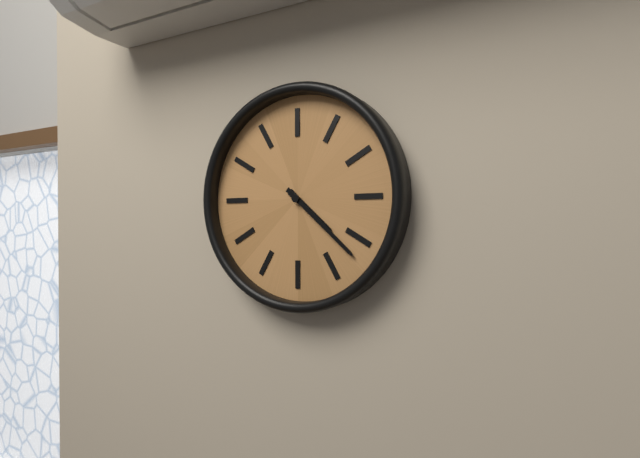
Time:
**4:22**
